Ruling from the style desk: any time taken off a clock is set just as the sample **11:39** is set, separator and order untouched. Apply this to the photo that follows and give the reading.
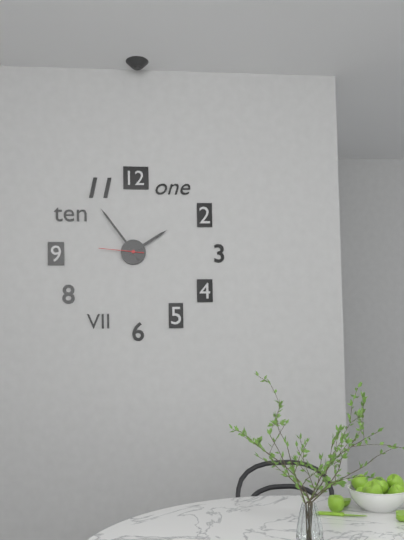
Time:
**1:54**
